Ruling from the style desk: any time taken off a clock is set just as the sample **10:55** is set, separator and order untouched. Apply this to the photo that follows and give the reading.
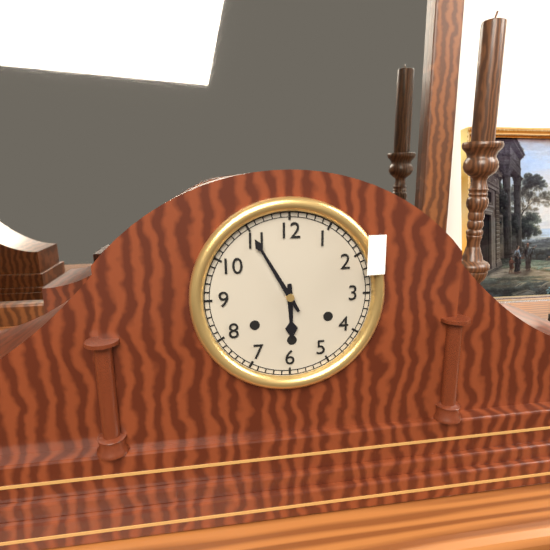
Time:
**5:55**
